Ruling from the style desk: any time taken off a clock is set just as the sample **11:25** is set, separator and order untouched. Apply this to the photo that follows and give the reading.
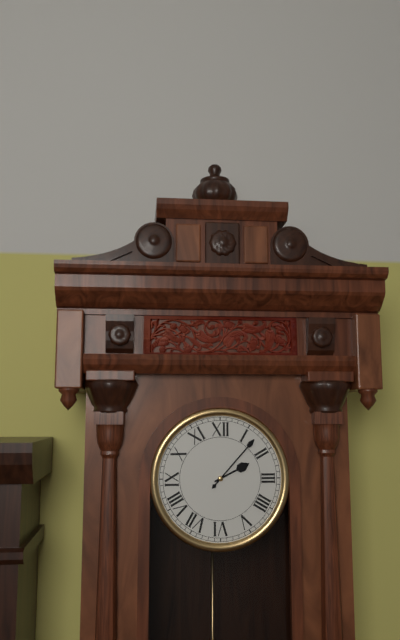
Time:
**2:07**
